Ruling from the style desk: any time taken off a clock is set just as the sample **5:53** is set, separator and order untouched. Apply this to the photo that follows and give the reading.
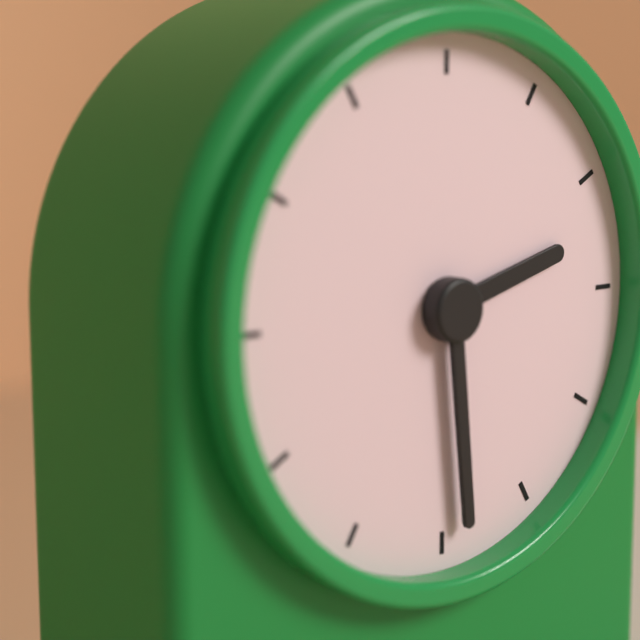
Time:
**2:29**
